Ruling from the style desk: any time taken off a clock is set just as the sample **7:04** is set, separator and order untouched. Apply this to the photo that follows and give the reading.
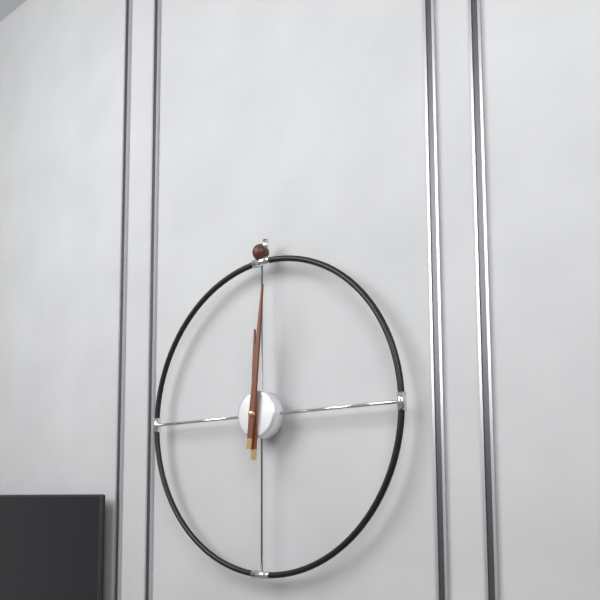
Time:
**12:01**
